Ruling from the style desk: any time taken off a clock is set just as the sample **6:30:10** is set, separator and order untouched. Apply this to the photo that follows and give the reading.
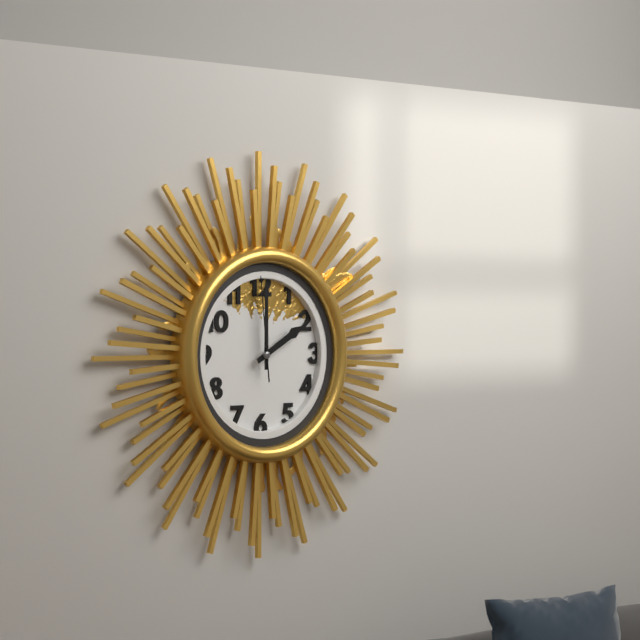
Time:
**2:00:59**
